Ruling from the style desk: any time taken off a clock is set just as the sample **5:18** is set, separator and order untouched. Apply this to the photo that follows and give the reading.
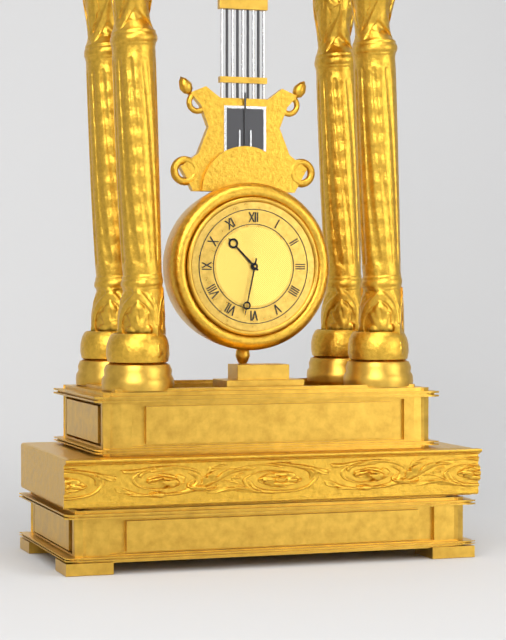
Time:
**10:32**
